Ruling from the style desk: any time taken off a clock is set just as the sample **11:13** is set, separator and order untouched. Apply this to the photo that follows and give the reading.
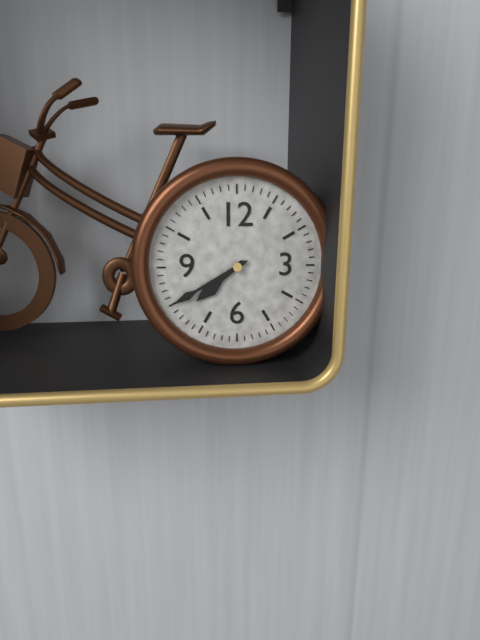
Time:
**7:40**
